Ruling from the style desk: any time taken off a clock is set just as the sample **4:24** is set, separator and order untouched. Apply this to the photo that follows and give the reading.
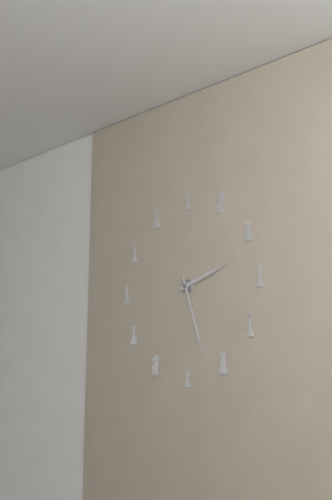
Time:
**2:27**
